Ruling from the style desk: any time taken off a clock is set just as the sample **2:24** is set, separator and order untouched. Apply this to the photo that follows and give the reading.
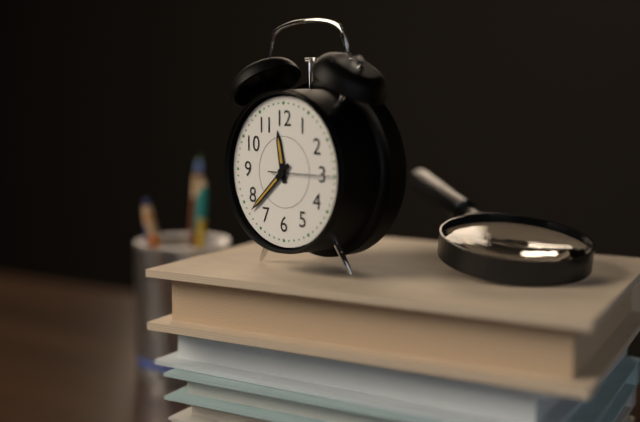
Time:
**11:38**
